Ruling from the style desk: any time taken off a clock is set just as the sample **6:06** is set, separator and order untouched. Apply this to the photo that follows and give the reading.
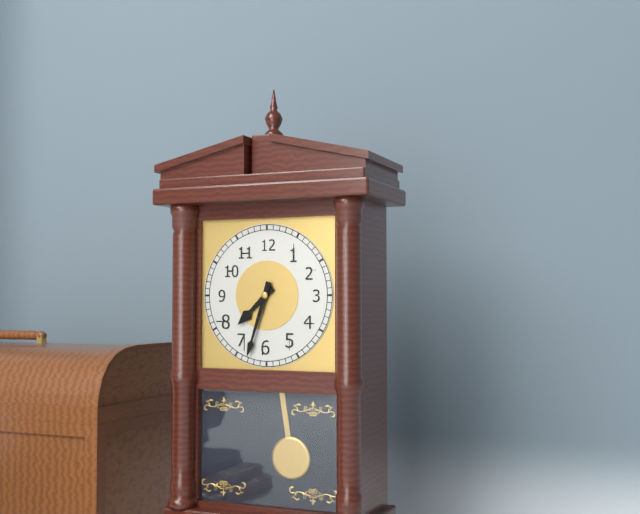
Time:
**7:33**
